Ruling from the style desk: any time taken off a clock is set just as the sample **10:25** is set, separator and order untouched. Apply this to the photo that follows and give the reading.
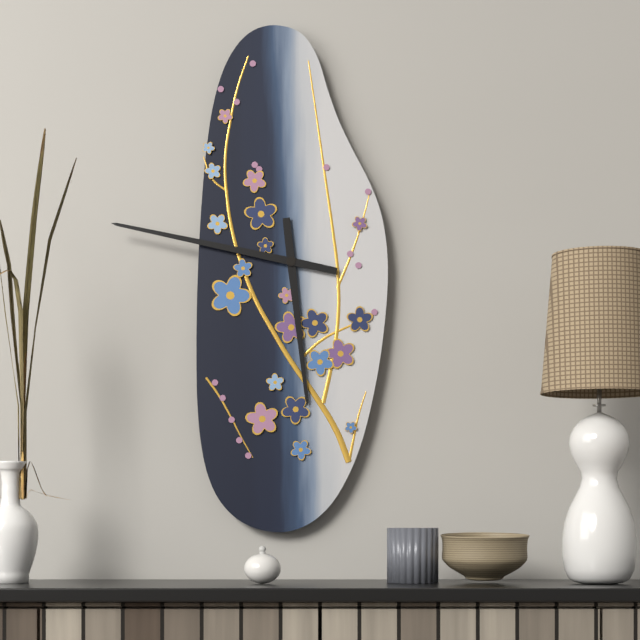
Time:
**5:47**
